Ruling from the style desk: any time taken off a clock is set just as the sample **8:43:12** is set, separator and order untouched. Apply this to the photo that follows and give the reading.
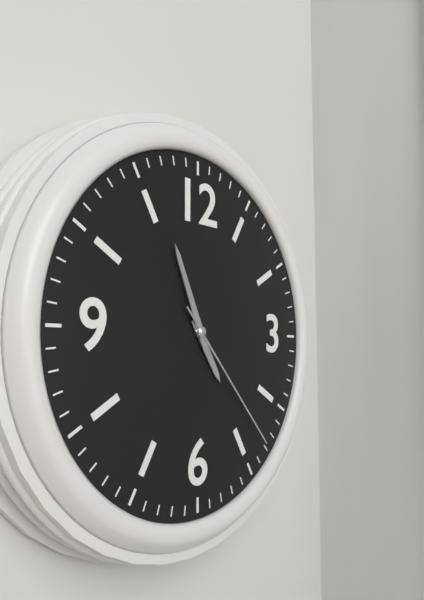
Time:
**4:56:23**
